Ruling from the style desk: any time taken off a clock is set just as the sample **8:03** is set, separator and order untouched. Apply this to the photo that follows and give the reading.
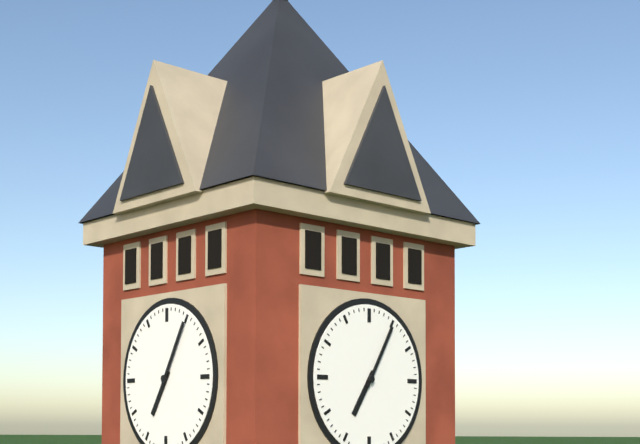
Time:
**7:05**
